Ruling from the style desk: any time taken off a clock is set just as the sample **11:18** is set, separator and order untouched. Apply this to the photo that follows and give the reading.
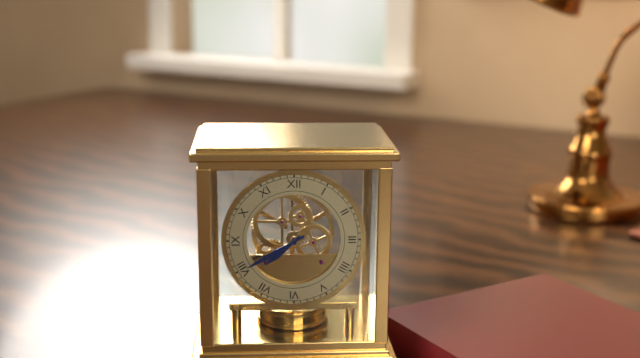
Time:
**7:40**
